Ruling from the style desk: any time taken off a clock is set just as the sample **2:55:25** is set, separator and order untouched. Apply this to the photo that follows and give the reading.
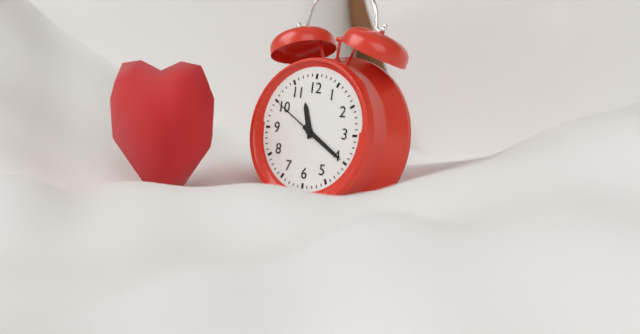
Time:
**11:20:50**
